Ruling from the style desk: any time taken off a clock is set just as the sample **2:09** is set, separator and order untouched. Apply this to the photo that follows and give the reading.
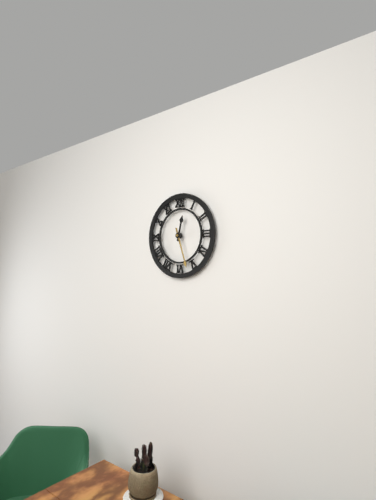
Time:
**12:27**
